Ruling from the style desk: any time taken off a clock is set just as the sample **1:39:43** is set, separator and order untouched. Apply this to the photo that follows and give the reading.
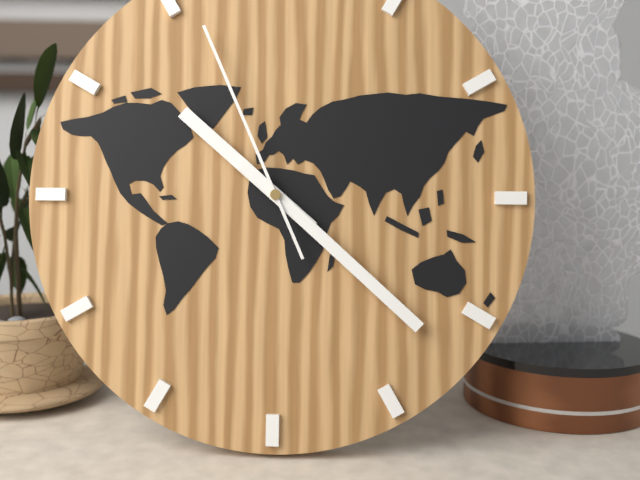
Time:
**10:22:56**
